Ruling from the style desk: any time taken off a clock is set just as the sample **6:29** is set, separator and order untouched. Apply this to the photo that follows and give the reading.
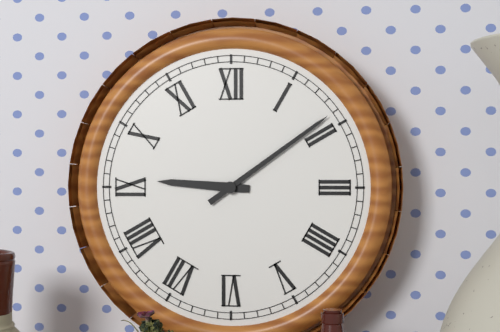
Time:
**9:09**
